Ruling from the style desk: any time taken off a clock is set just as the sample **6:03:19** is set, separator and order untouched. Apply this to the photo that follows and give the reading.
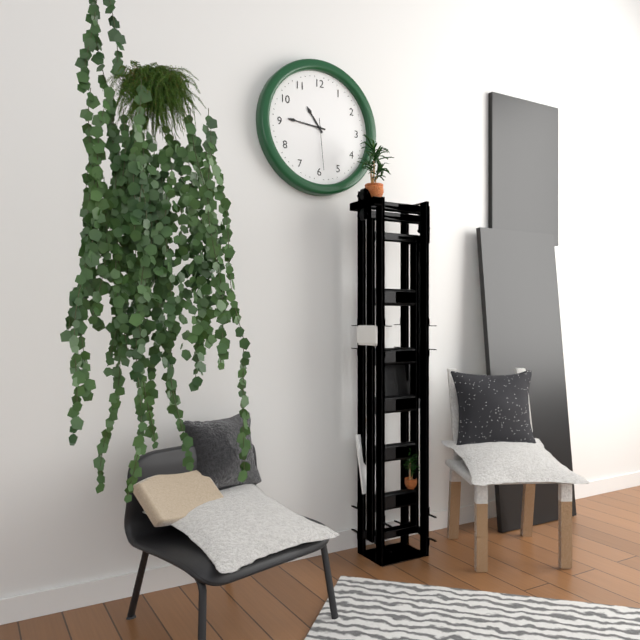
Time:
**10:46:29**
